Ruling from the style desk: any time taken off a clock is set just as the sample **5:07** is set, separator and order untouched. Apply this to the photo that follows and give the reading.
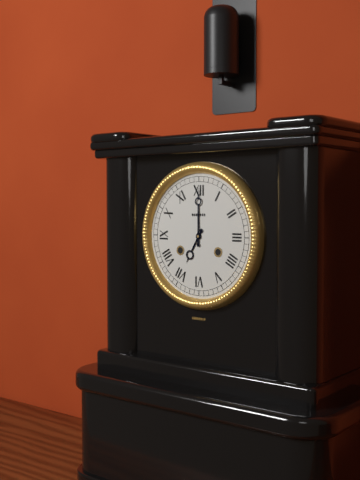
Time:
**7:00**
